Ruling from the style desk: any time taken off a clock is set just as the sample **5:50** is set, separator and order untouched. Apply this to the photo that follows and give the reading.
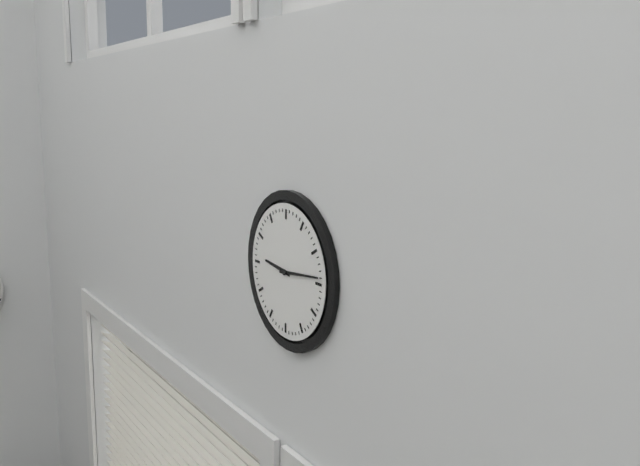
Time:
**9:14**
